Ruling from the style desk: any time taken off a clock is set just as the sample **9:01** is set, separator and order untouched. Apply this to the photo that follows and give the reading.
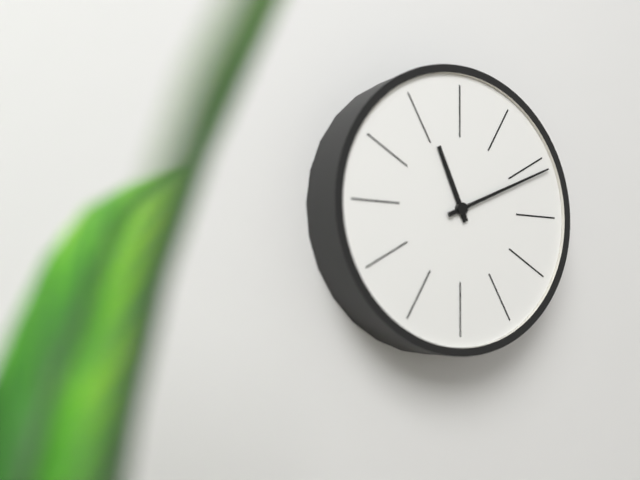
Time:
**11:11**
